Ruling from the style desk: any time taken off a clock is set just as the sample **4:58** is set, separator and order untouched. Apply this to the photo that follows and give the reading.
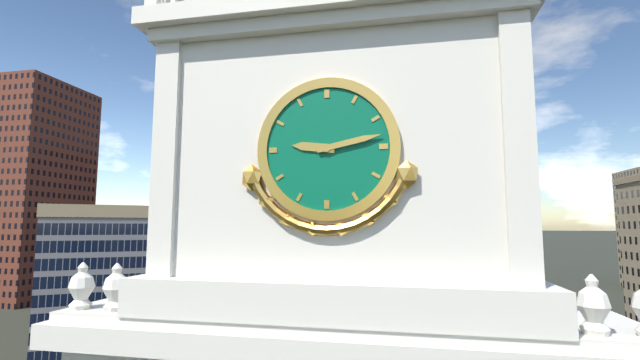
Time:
**9:13**
